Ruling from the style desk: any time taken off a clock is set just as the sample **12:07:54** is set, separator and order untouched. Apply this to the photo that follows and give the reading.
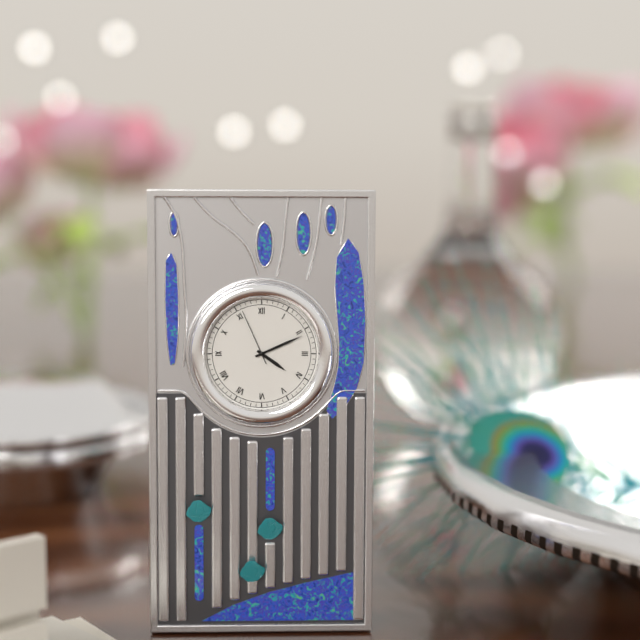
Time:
**4:11:56**
